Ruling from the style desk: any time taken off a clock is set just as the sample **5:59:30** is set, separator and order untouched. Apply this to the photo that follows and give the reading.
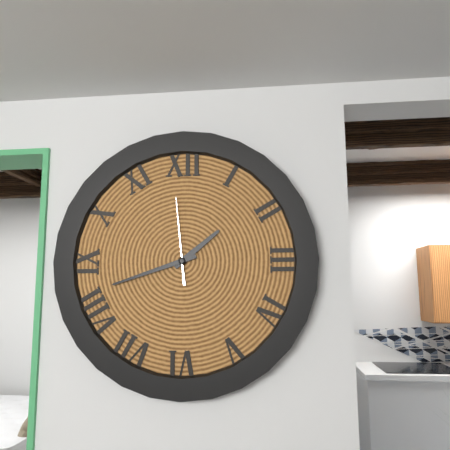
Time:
**1:42:59**
